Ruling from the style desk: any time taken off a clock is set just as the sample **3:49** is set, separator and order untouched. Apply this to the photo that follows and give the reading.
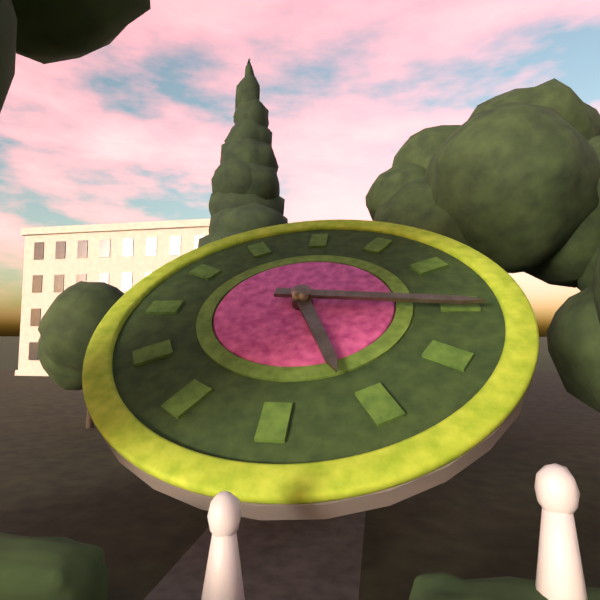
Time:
**5:16**
